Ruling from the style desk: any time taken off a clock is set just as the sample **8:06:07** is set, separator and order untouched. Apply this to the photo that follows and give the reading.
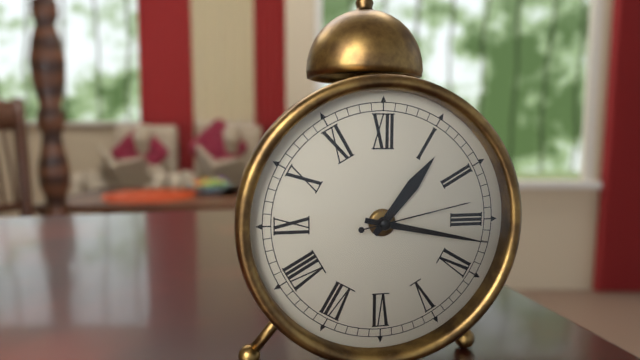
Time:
**1:17:13**
